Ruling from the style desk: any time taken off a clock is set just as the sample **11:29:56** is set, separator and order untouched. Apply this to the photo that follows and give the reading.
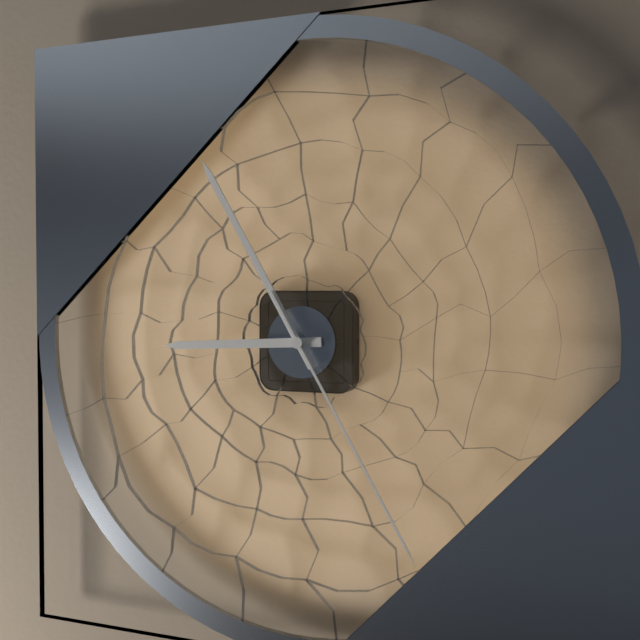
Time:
**8:55:25**
